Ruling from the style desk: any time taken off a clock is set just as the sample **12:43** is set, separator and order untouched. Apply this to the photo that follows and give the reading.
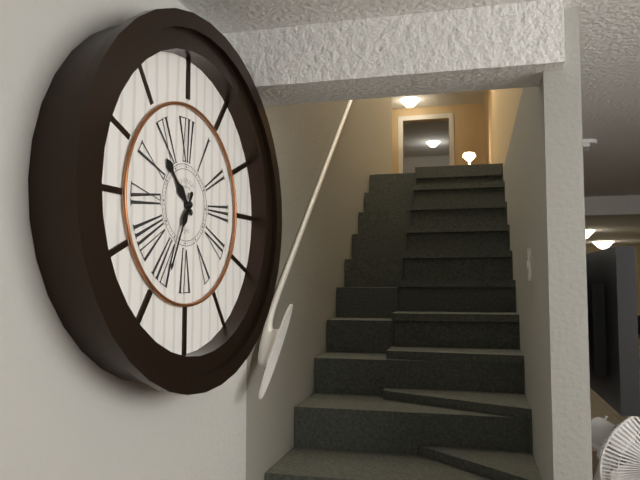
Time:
**10:34**
